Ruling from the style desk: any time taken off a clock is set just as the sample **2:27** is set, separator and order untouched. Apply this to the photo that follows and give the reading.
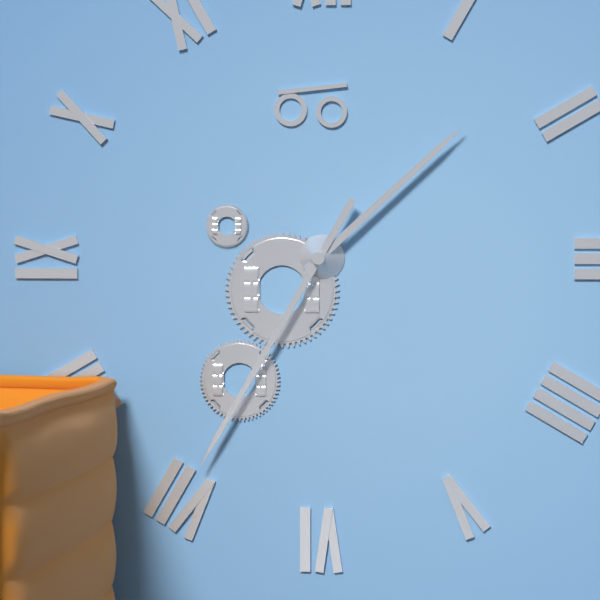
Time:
**1:35**
